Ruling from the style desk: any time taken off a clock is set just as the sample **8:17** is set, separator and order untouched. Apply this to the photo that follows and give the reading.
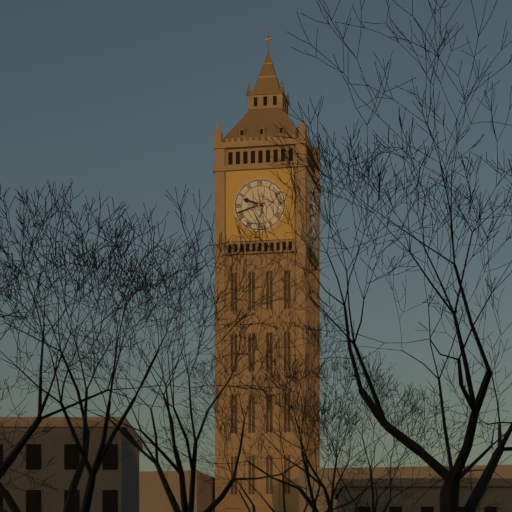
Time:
**9:42**
